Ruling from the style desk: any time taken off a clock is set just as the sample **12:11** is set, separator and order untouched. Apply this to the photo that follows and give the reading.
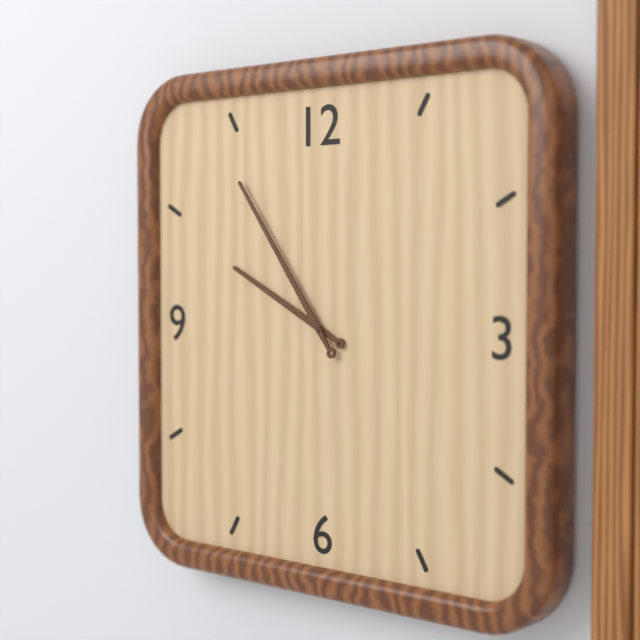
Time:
**9:54**
